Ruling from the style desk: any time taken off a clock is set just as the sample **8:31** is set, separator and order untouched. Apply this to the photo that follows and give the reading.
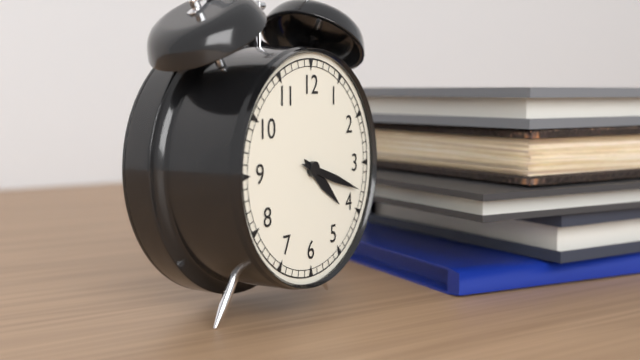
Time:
**4:18**
